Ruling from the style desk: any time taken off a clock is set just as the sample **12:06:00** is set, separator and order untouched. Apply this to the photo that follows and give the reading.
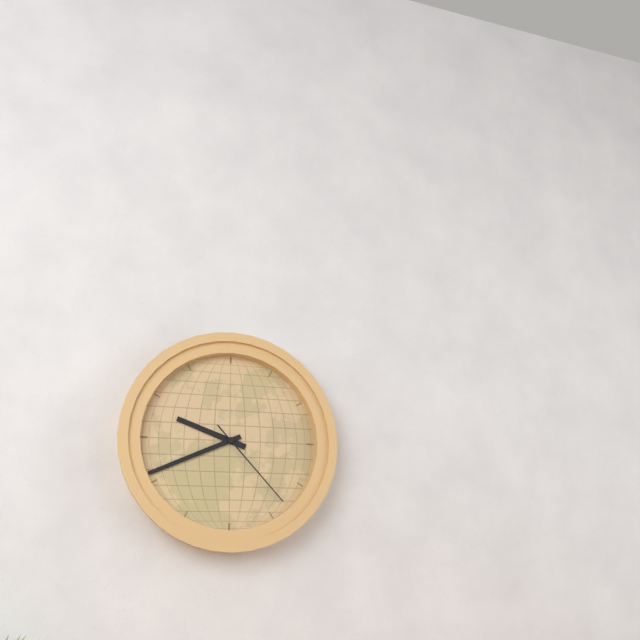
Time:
**9:41:23**
